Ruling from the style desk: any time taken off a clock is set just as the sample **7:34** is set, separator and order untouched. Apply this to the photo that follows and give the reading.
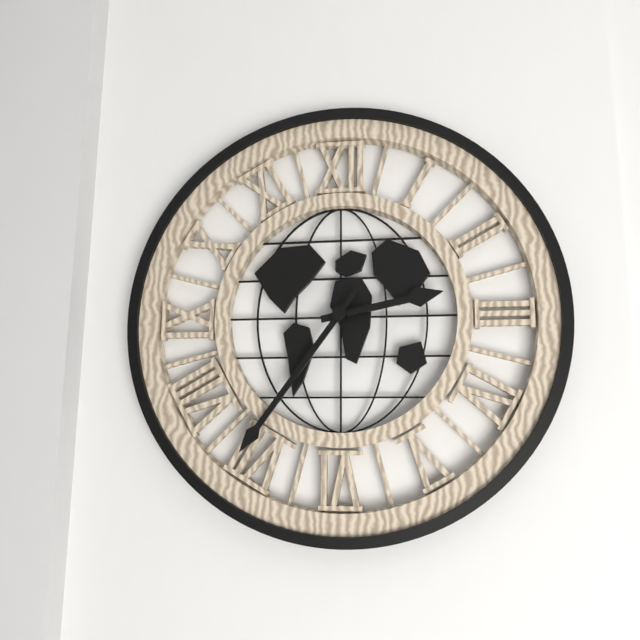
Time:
**2:36**
